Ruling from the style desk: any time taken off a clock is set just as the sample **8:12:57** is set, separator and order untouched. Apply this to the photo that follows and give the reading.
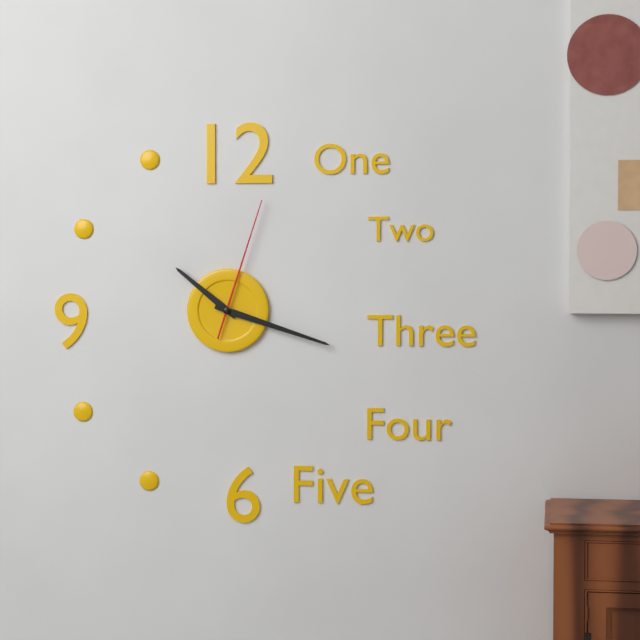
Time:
**10:18:03**
